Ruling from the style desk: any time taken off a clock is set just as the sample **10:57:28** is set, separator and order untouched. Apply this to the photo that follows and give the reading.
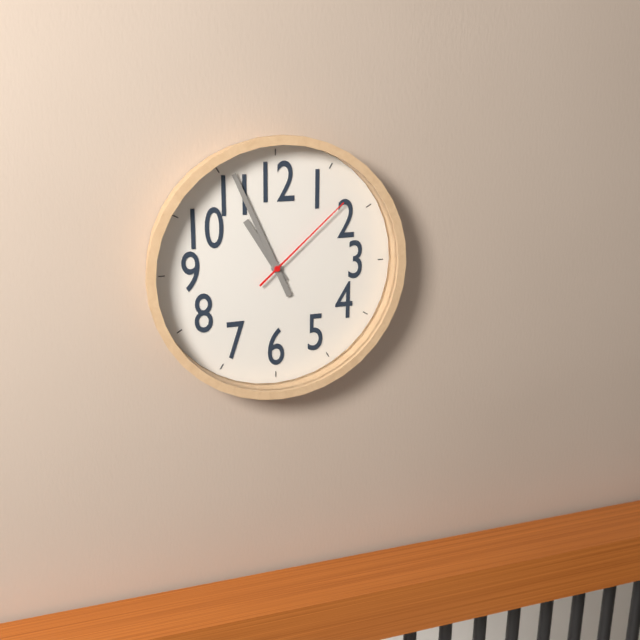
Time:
**10:56:08**
